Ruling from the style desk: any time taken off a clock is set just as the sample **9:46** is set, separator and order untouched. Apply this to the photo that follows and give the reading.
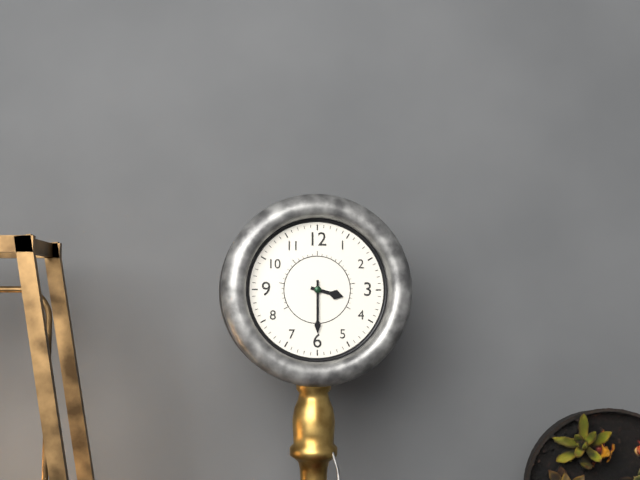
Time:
**3:30**
